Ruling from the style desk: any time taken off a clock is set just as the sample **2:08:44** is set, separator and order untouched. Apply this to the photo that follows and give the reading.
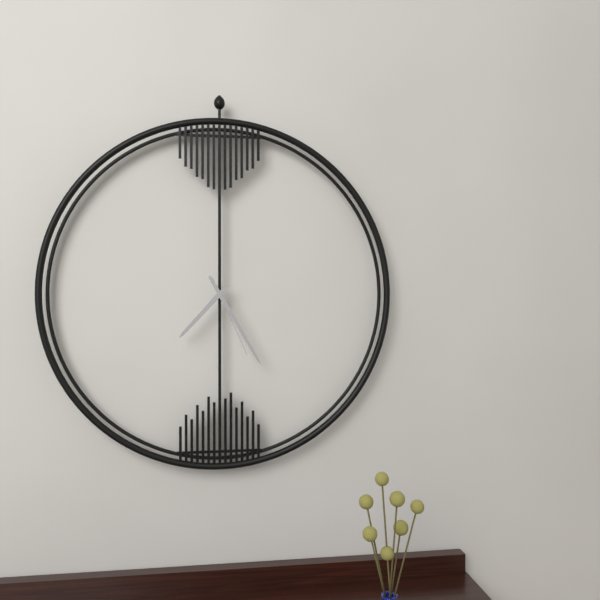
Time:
**7:25:26**
